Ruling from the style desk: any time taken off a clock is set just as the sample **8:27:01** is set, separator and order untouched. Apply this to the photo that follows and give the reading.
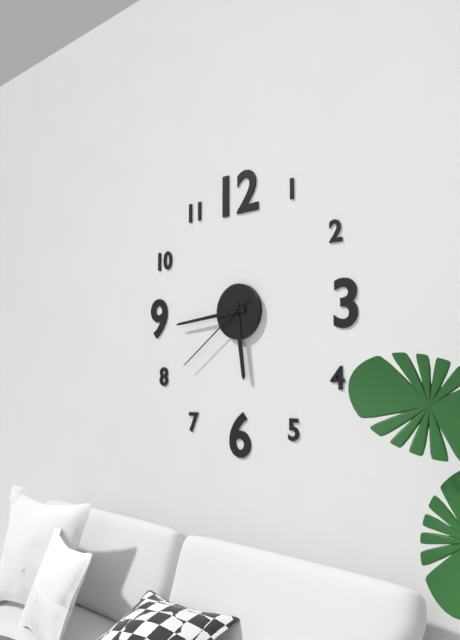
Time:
**5:44:39**
